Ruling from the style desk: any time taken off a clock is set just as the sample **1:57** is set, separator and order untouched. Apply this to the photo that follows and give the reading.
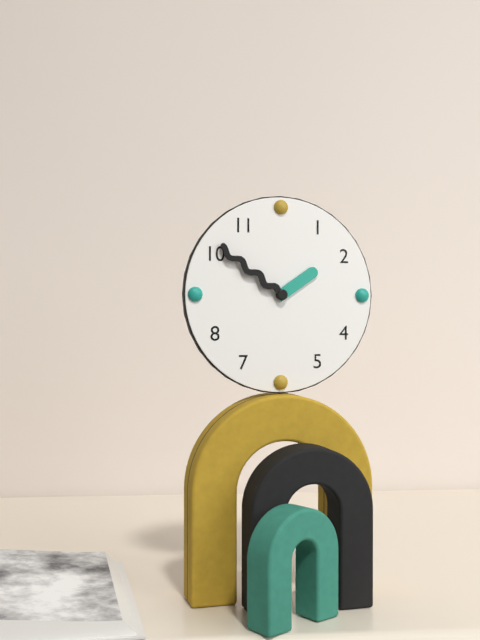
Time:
**1:51**
